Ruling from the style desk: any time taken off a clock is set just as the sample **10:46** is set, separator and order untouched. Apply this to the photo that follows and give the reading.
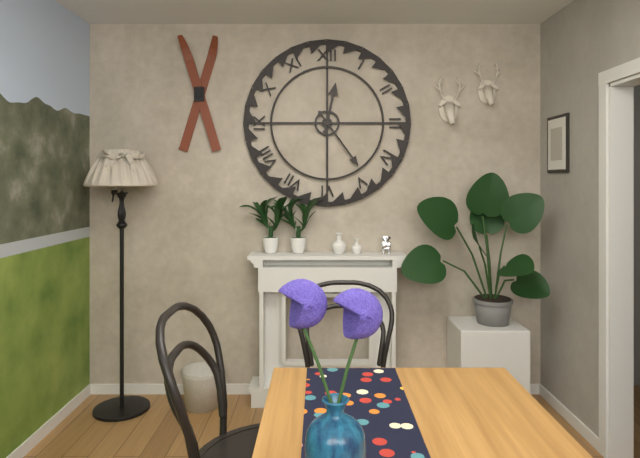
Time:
**12:24**
